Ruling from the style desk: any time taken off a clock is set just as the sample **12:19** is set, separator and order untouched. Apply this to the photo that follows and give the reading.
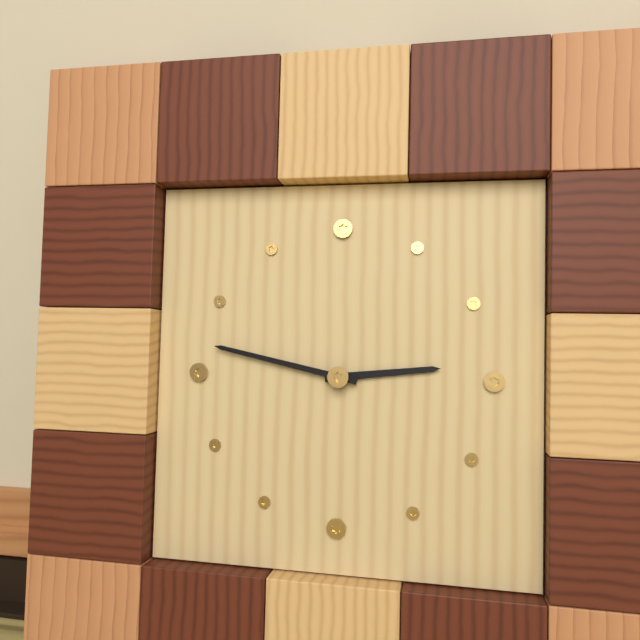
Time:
**2:47**
